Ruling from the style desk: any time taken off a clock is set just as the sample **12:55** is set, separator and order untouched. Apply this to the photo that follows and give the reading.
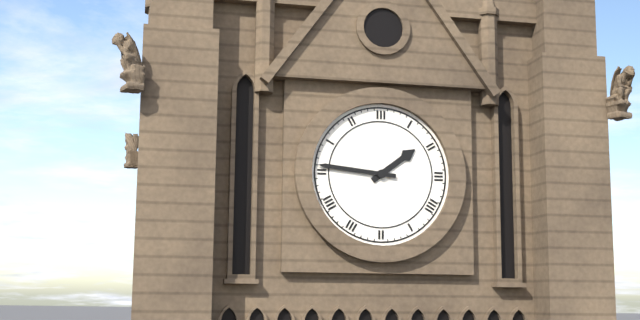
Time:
**1:46**
